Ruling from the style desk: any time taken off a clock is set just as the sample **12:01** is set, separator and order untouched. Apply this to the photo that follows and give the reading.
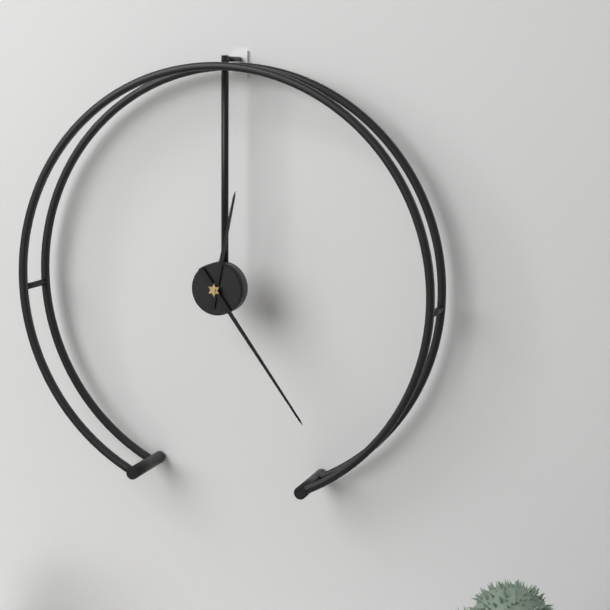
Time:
**12:24**
